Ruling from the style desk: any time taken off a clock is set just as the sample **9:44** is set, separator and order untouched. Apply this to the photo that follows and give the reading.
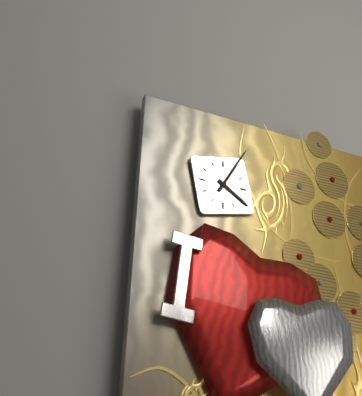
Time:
**4:05**
